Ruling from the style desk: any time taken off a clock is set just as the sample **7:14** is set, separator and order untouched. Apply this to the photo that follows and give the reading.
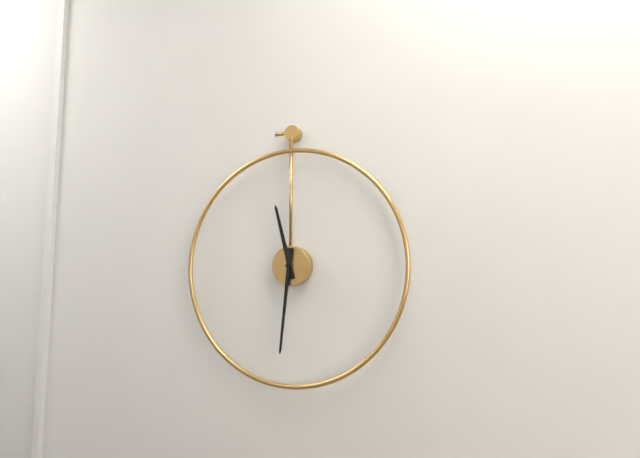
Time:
**11:31**
